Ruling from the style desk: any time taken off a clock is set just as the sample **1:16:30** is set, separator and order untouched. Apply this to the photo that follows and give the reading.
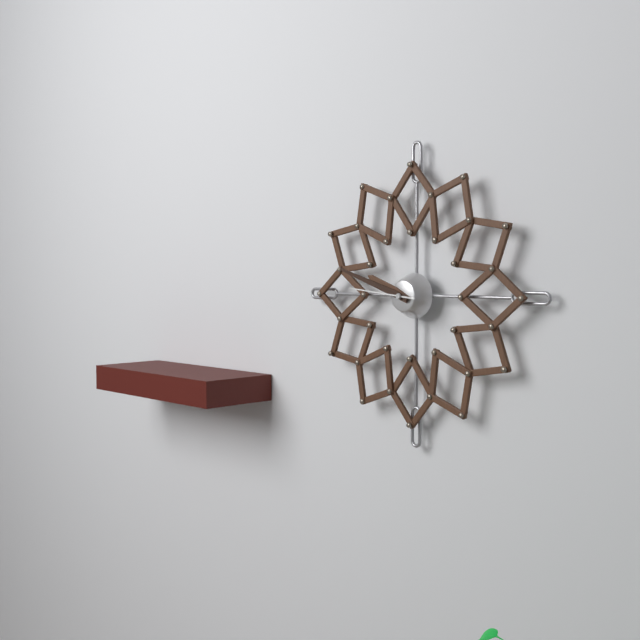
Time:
**9:48:46**
